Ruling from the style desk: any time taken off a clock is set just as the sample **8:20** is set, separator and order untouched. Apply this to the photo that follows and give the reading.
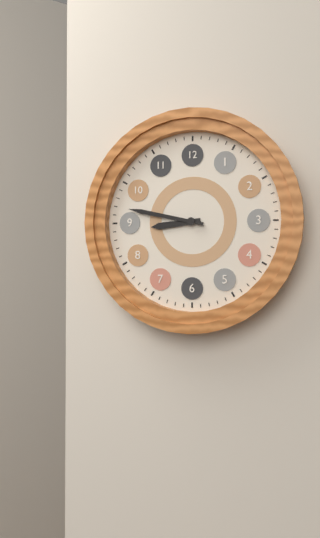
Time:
**8:47**
